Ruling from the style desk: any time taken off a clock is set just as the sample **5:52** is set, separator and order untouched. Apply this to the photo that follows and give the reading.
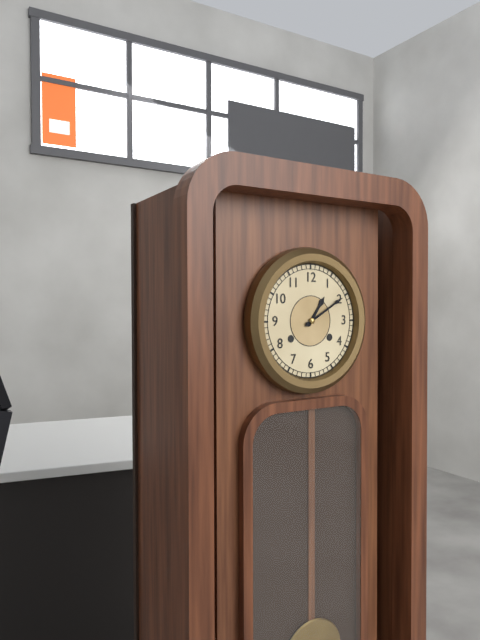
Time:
**1:10**
